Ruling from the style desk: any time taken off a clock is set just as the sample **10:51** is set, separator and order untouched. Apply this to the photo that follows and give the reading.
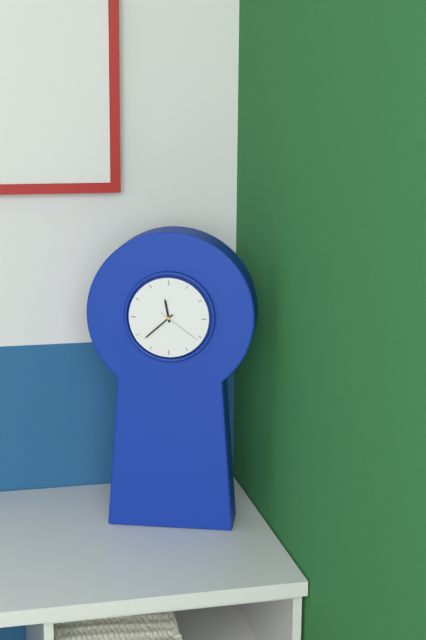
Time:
**11:38**
